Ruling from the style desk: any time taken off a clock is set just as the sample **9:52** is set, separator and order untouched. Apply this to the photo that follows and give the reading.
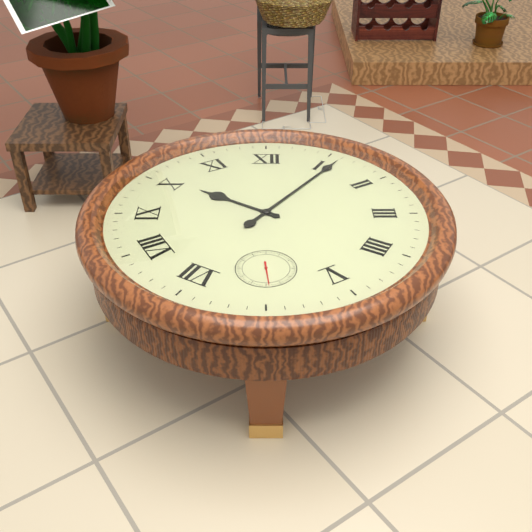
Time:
**10:06**
